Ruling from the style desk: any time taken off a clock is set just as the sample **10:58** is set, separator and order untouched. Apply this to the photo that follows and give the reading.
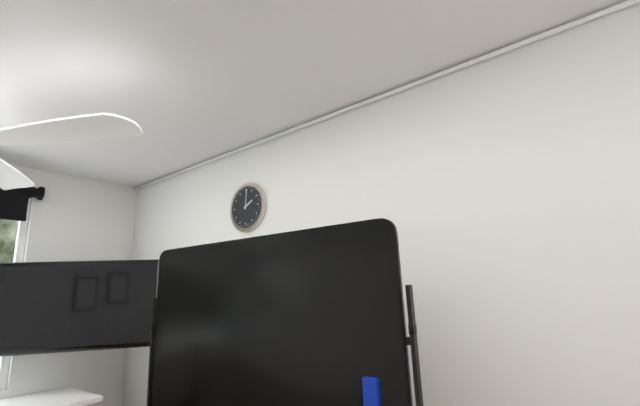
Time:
**2:01**
